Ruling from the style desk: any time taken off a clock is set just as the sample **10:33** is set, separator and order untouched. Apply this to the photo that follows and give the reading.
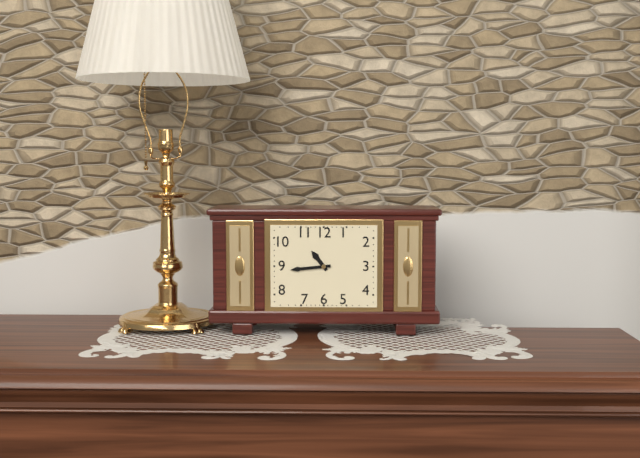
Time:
**10:44**
